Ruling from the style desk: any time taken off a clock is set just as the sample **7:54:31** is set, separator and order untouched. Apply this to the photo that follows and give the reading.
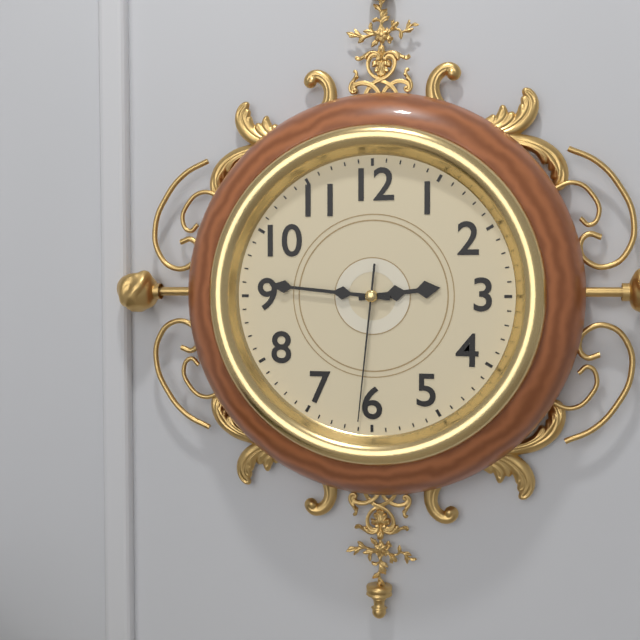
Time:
**2:46:31**
